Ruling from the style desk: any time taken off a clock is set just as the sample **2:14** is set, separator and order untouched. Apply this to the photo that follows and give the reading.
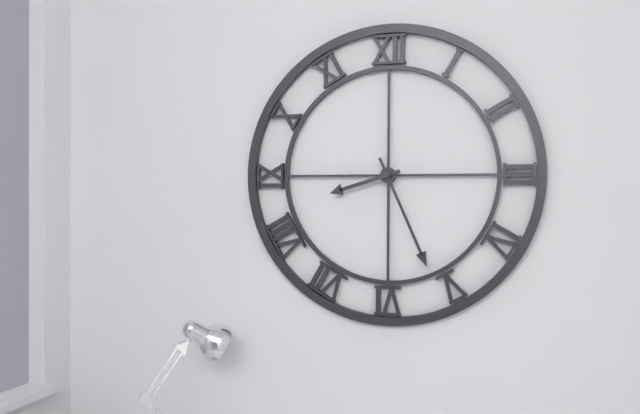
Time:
**8:26**
